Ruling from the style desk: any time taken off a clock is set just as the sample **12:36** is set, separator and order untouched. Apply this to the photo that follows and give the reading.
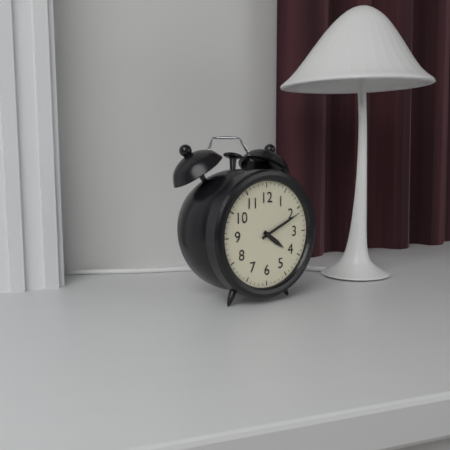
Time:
**4:11**
